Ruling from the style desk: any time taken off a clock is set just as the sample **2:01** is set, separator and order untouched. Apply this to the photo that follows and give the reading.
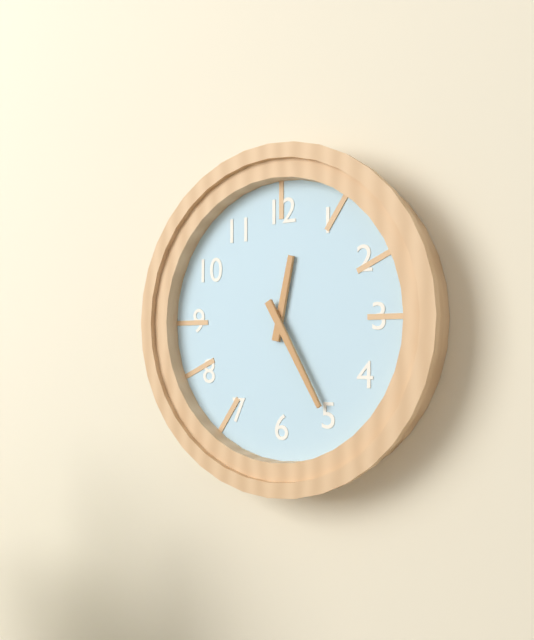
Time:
**12:25**
